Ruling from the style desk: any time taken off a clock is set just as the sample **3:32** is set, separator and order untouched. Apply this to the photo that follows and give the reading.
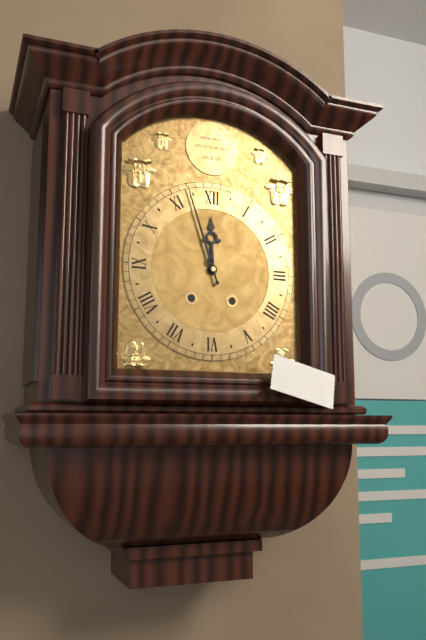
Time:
**11:57**
